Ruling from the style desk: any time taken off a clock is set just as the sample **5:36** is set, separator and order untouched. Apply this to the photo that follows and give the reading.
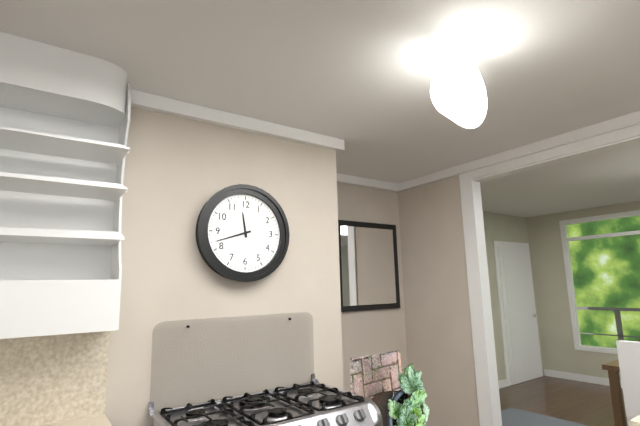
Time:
**11:42**
